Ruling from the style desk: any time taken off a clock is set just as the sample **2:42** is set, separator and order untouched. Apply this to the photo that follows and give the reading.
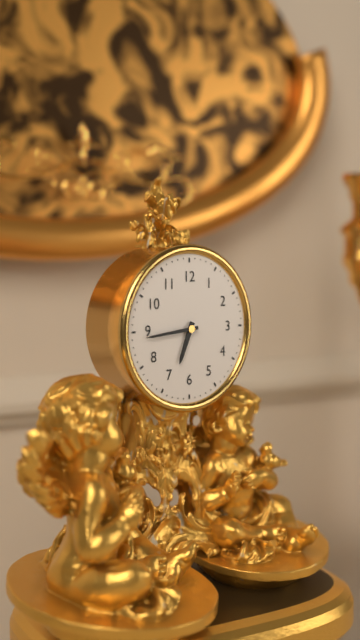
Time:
**6:44**
